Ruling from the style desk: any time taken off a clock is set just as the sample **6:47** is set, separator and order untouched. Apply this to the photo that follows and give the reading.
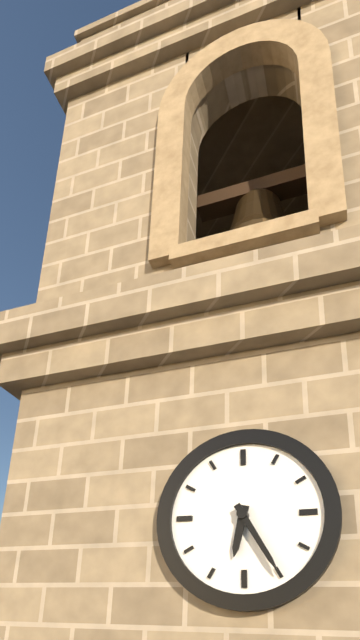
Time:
**6:25**
